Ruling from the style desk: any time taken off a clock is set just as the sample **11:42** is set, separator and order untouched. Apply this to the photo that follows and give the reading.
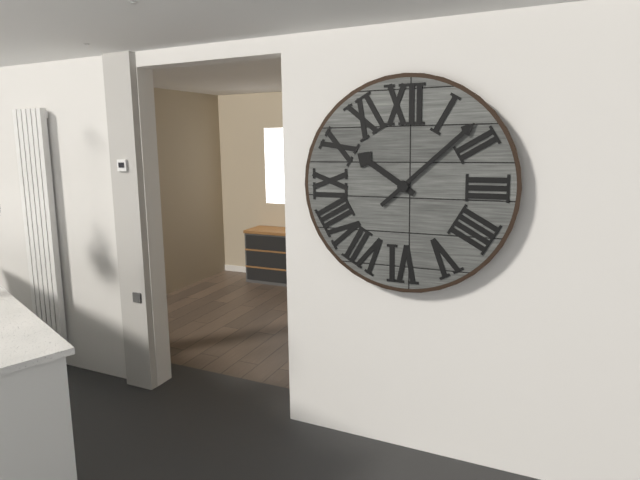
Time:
**10:08**
